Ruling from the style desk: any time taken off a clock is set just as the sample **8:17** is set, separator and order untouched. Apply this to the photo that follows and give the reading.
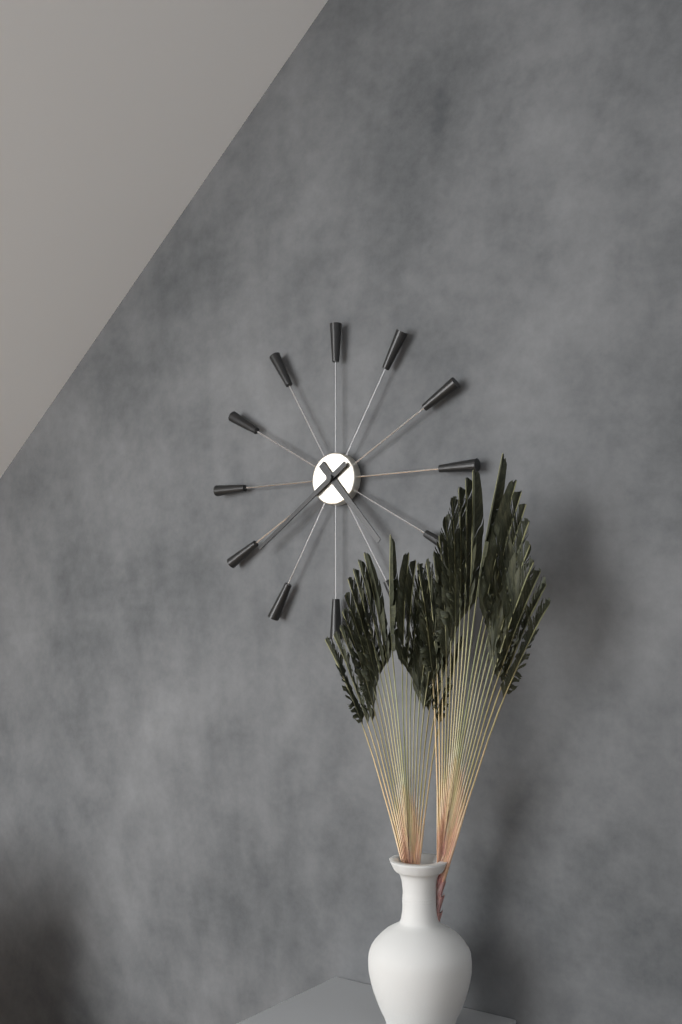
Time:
**4:39**
